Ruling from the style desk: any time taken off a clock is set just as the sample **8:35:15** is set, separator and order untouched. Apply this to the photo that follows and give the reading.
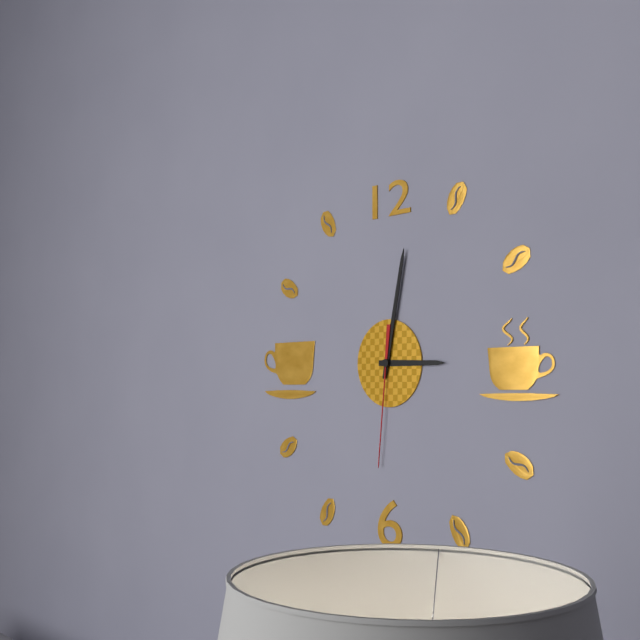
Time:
**3:02:31**
